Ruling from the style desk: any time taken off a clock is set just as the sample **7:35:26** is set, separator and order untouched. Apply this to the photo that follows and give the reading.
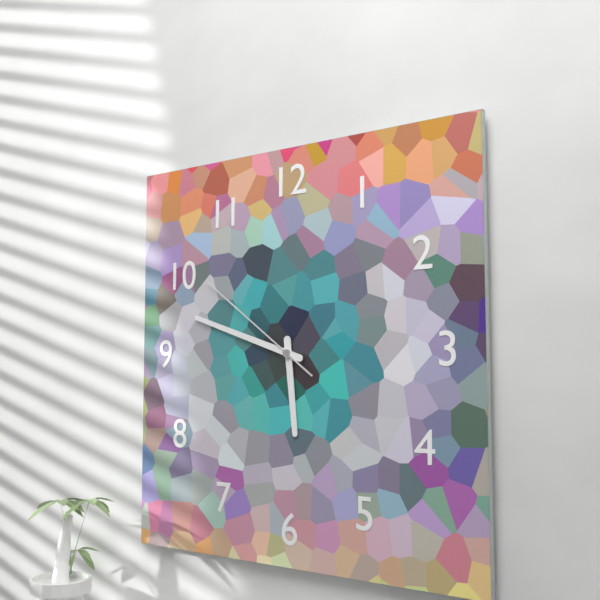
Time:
**5:48:51**
